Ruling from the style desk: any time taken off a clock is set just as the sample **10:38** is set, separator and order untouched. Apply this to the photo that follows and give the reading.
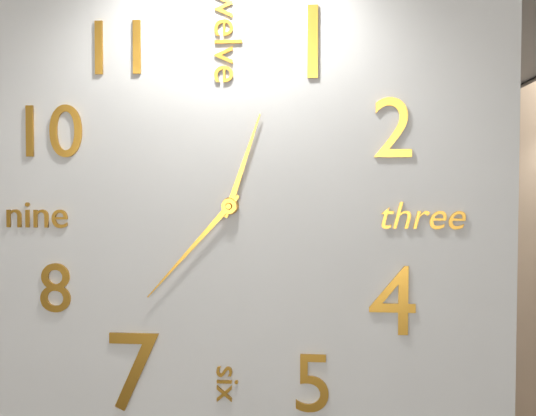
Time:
**12:37**
